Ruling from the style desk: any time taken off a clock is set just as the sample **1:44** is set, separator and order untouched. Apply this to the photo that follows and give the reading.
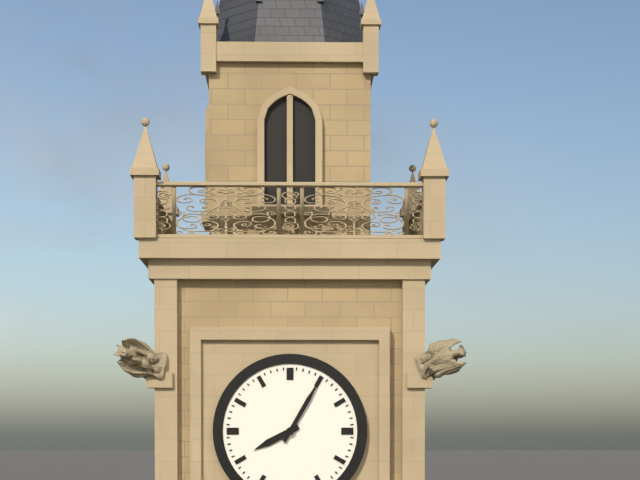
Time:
**8:05**
